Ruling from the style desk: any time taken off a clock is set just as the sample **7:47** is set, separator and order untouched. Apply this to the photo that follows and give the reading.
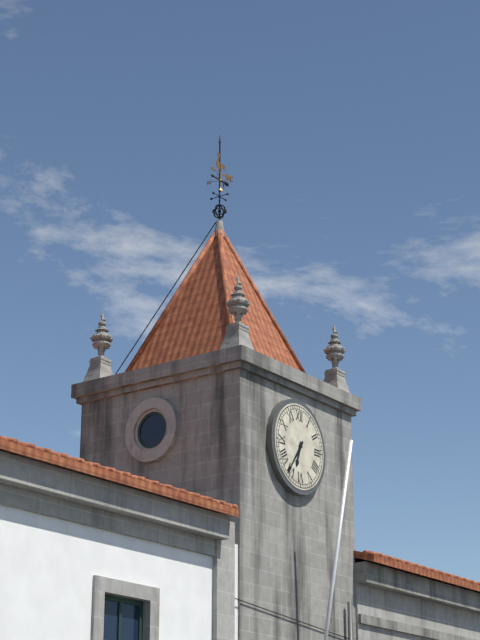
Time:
**6:36**
